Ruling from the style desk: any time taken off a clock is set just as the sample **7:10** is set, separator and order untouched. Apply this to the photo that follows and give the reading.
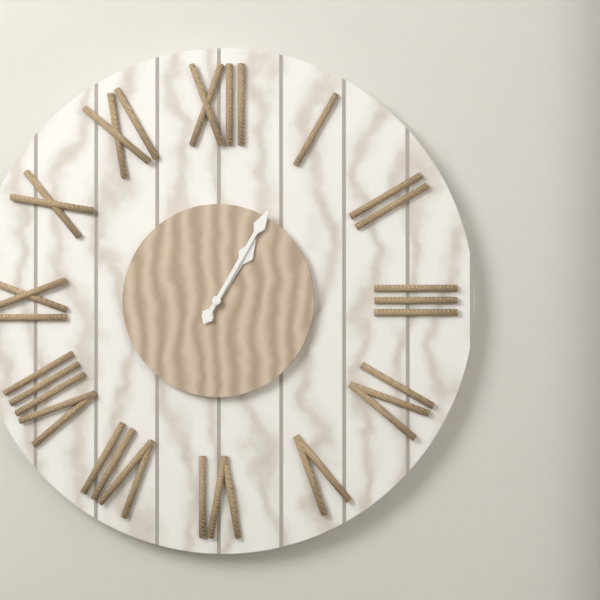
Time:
**1:05**
